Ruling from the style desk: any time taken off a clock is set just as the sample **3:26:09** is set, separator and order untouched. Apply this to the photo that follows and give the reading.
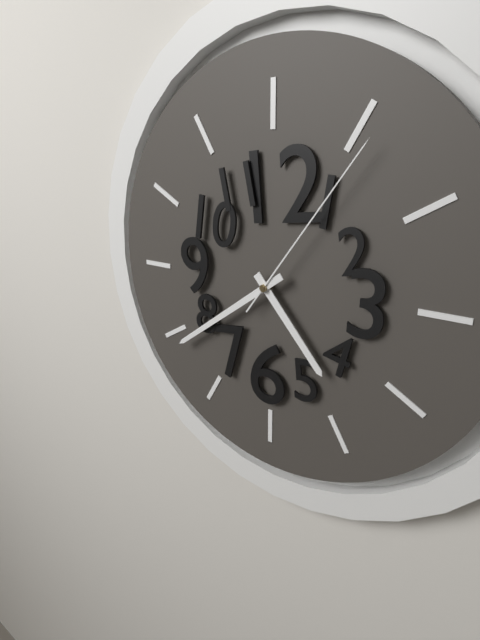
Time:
**4:39:06**
